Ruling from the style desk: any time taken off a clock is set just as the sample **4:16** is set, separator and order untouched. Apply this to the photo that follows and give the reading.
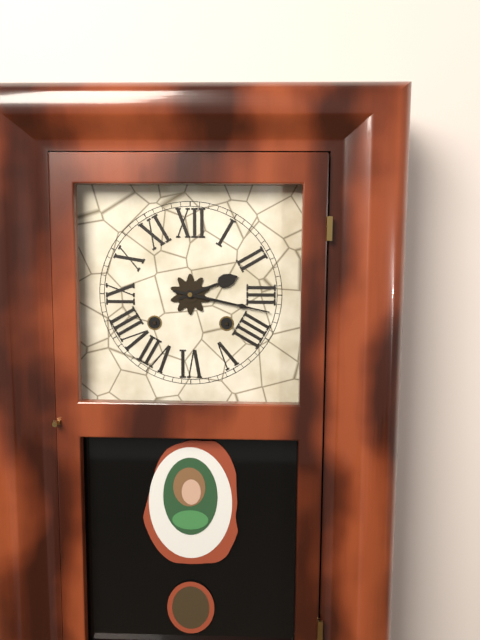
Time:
**2:17**
